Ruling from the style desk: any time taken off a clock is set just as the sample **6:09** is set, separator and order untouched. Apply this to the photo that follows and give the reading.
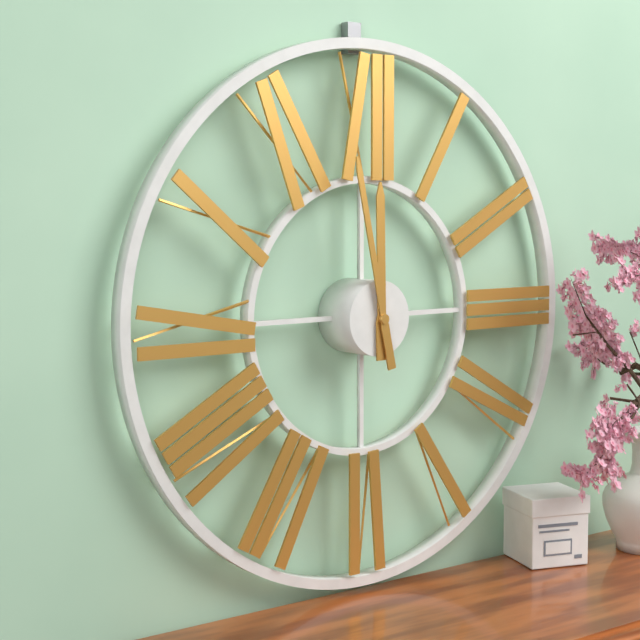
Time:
**11:58**
